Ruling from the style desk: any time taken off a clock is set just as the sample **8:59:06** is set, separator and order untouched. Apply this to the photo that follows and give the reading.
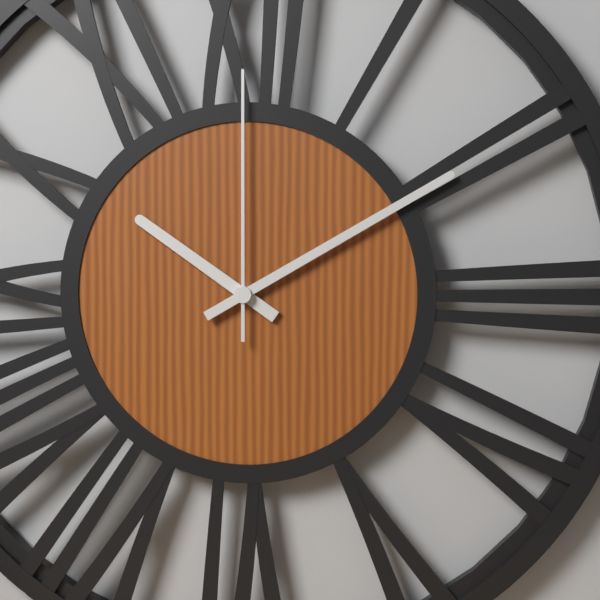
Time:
**10:10:00**
